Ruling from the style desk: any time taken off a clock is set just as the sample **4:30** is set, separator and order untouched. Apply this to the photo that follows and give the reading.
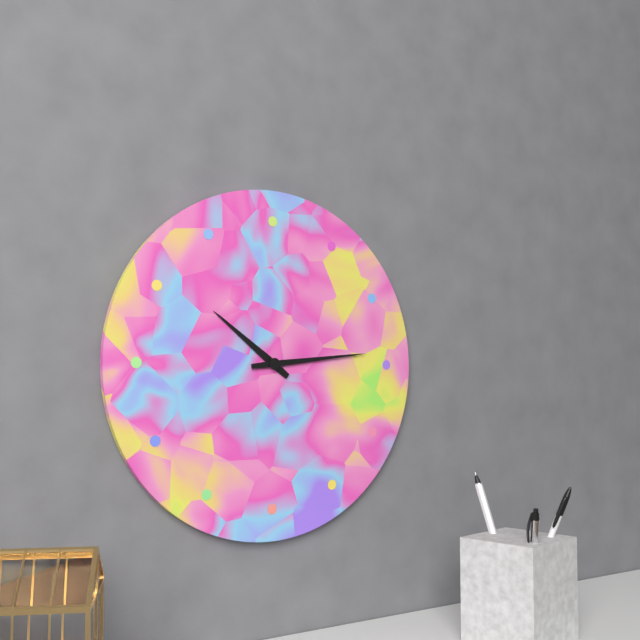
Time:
**10:14**
